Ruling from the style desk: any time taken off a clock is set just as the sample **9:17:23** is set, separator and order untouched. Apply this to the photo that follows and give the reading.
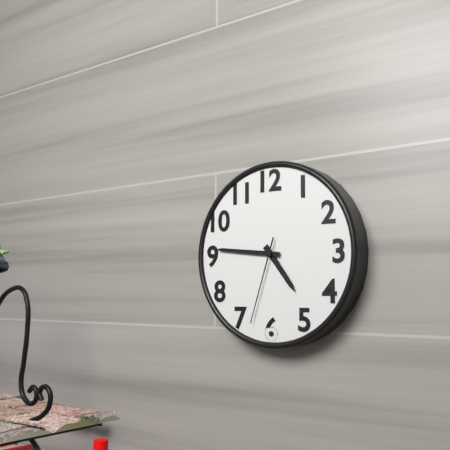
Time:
**4:46:33**
